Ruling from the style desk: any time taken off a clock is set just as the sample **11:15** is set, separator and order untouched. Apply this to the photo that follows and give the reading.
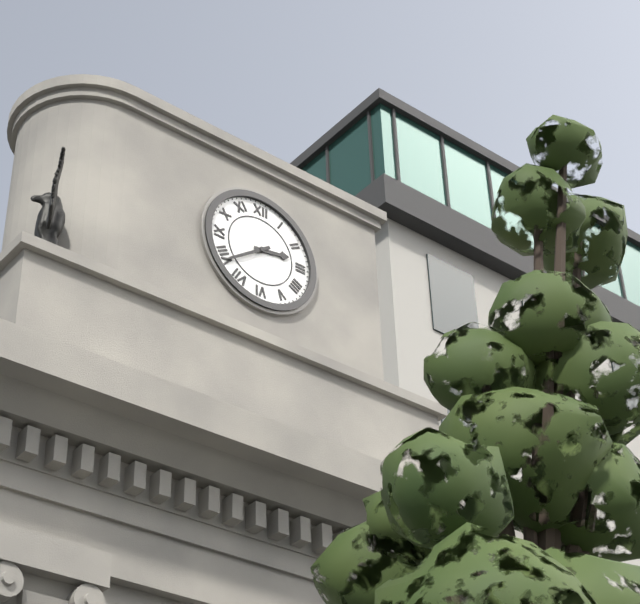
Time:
**2:39**
